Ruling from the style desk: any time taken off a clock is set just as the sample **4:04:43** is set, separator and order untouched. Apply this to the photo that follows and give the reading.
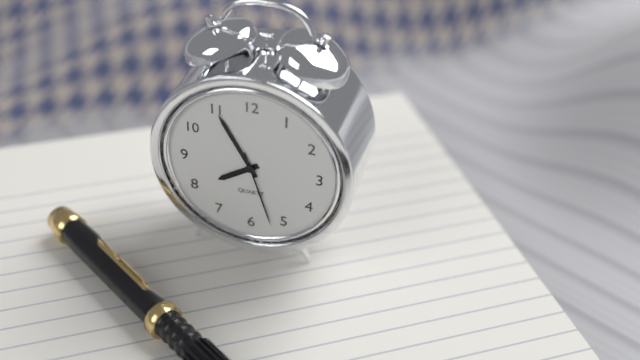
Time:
**7:55:27**
